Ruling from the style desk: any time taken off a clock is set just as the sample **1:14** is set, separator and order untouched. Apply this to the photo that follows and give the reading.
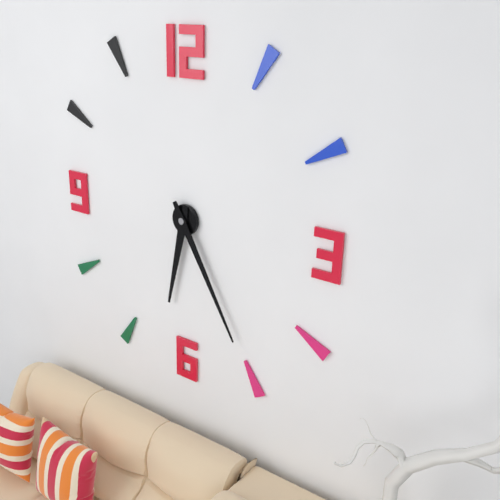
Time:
**6:25**
